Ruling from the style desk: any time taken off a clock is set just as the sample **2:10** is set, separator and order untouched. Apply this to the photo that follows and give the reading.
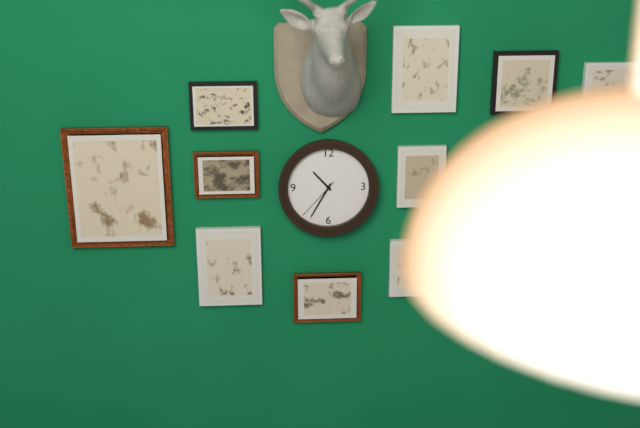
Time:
**10:35**
